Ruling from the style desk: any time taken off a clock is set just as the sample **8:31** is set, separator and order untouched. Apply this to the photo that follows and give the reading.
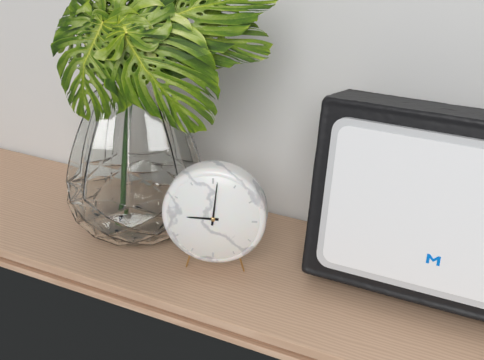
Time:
**9:01**
